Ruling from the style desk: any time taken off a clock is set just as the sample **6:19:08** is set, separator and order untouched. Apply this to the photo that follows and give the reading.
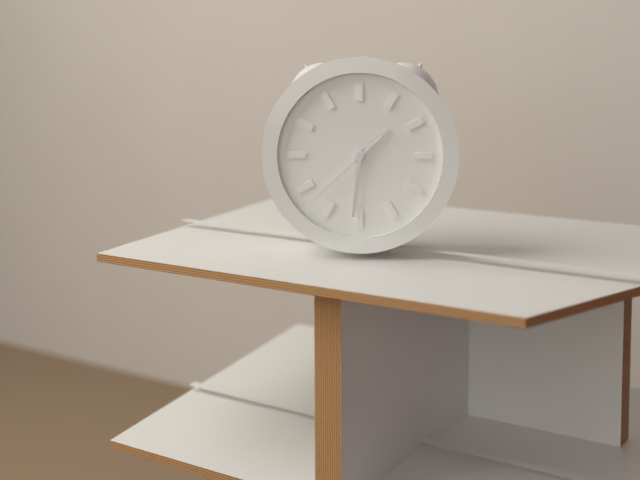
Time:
**1:31:38**
